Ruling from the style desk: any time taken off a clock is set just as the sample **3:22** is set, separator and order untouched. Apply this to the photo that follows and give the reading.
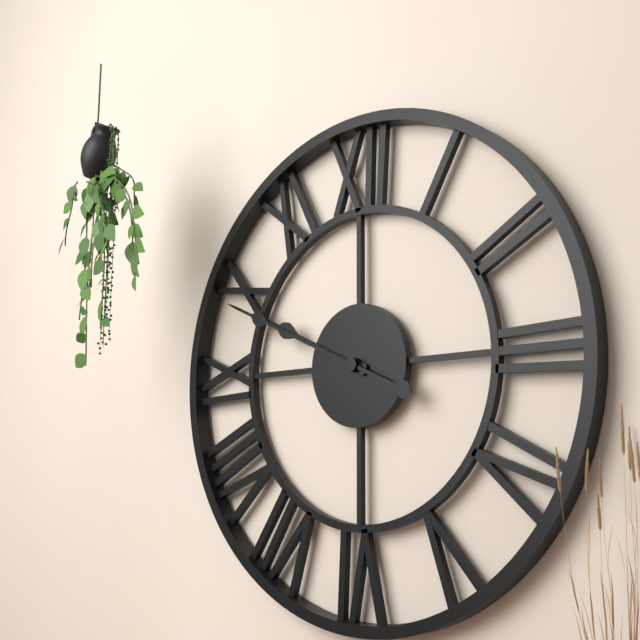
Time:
**9:49**
